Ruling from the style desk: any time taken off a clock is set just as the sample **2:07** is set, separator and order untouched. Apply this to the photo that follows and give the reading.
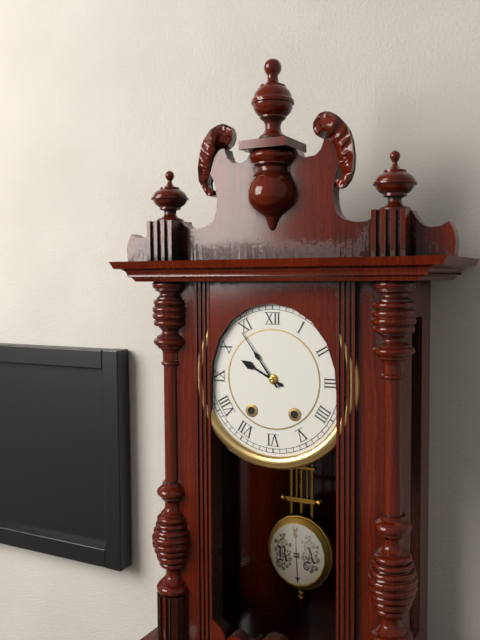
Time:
**9:54**
